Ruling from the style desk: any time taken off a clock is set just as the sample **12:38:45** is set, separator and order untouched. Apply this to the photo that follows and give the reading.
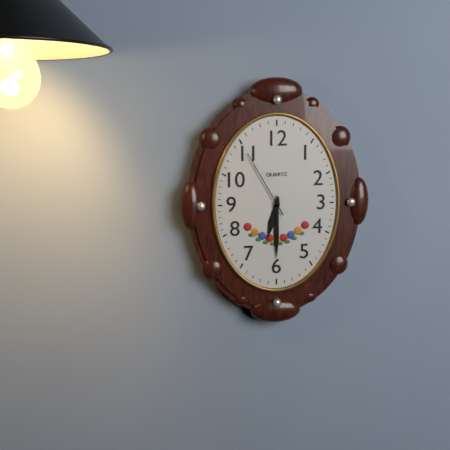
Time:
**6:30:55**
